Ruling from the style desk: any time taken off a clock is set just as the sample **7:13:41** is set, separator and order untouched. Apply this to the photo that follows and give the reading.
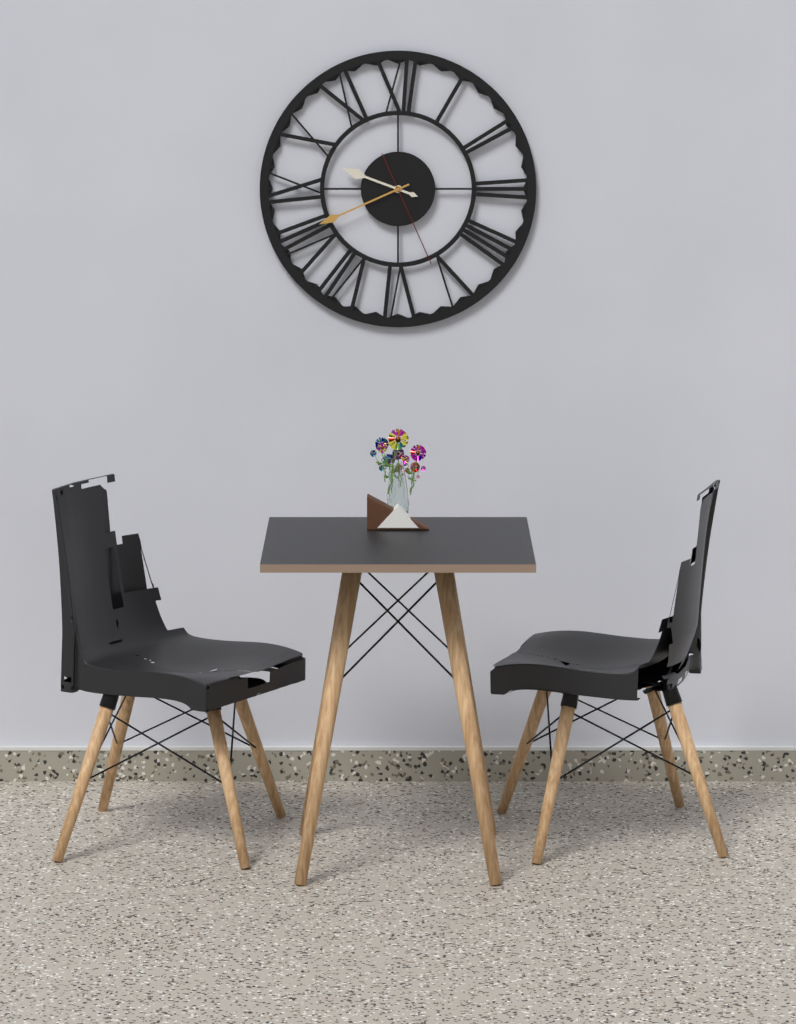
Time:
**9:41:26**
